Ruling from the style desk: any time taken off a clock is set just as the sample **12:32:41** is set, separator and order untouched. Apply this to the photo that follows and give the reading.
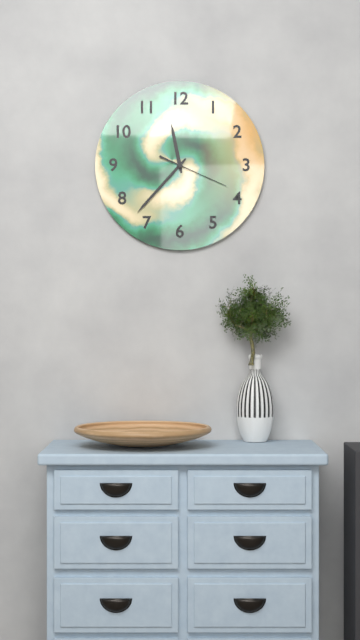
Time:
**11:37:19**
